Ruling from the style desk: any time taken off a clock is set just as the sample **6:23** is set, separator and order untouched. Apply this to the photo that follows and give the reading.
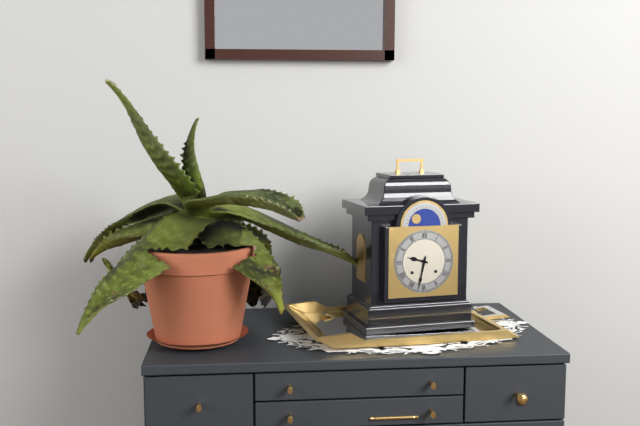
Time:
**9:32**
